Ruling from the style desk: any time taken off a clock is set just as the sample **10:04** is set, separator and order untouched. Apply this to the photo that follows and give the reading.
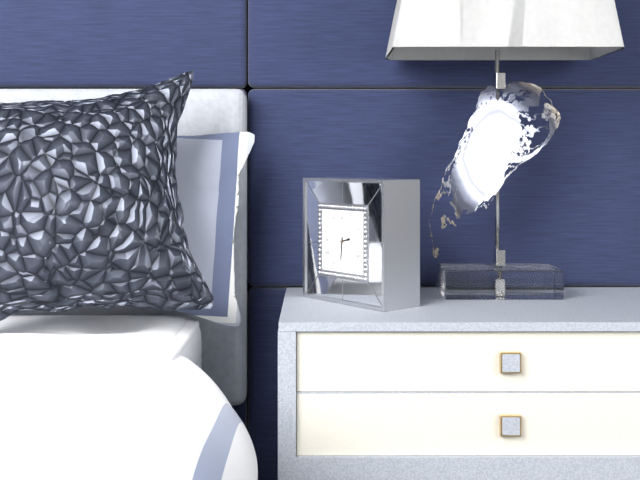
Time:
**2:31**
